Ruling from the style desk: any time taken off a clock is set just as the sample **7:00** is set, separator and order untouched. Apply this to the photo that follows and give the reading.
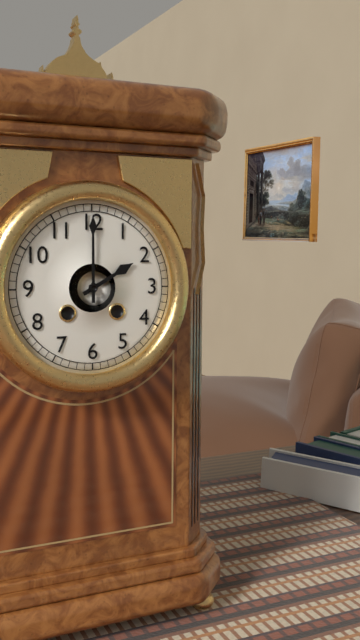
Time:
**2:00**
